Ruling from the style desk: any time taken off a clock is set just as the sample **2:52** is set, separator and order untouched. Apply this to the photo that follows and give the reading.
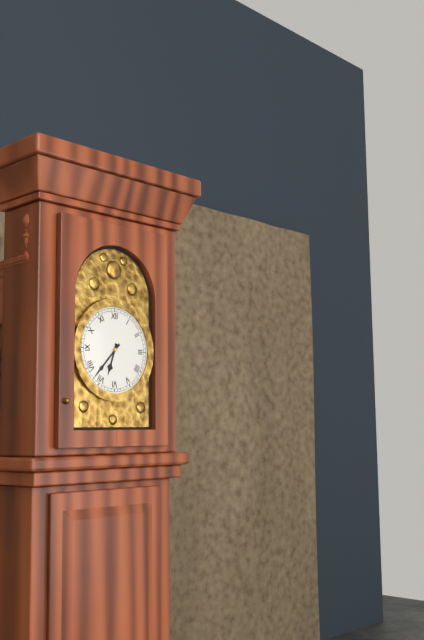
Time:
**6:37**
